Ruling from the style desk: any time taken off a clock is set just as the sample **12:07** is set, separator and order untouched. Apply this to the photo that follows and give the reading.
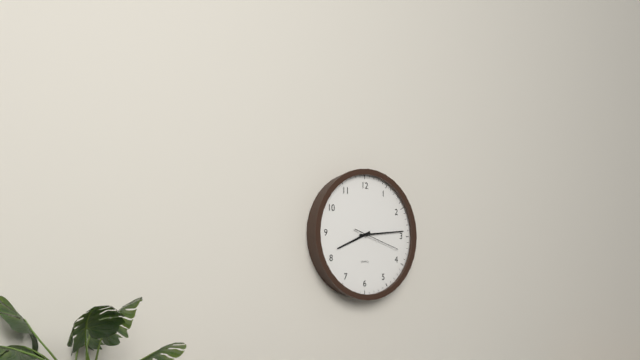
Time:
**8:14**
